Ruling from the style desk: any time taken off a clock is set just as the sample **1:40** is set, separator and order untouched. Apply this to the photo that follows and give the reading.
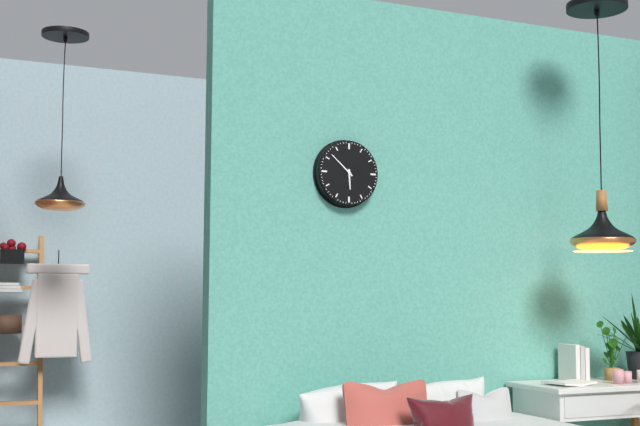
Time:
**5:52**
